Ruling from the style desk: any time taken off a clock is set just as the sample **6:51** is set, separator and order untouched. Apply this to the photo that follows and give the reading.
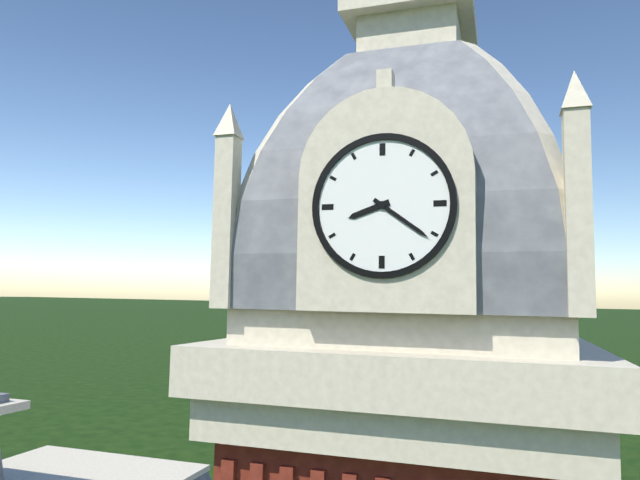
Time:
**8:21**
